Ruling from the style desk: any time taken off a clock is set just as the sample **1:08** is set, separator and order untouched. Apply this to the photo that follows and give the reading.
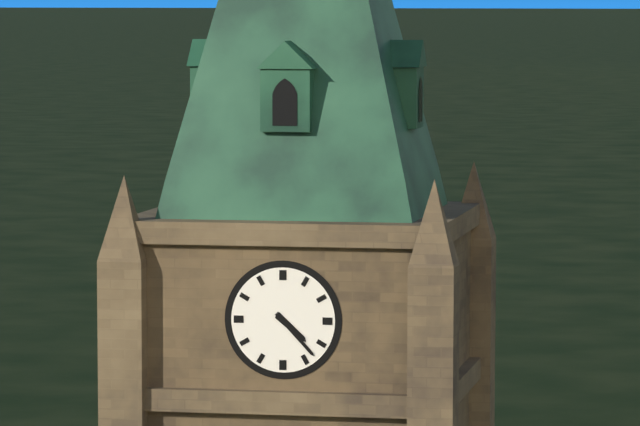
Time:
**4:23**
